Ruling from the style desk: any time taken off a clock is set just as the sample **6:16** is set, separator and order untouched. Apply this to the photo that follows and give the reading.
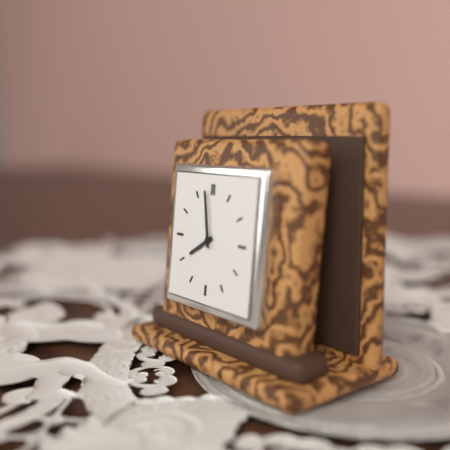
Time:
**7:58**
